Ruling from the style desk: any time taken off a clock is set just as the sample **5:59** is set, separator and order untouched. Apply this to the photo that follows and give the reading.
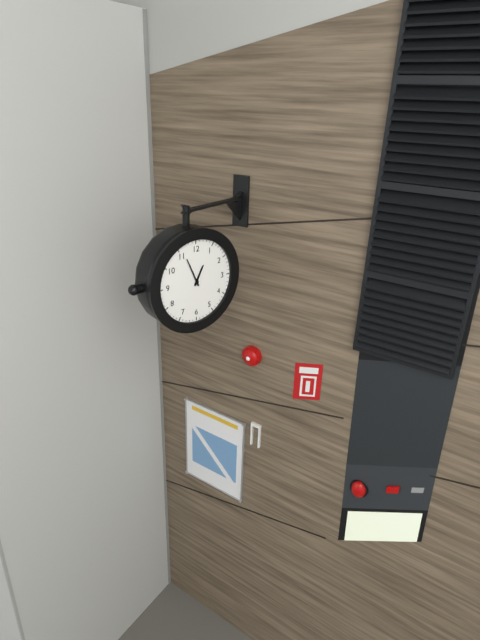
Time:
**12:56**
